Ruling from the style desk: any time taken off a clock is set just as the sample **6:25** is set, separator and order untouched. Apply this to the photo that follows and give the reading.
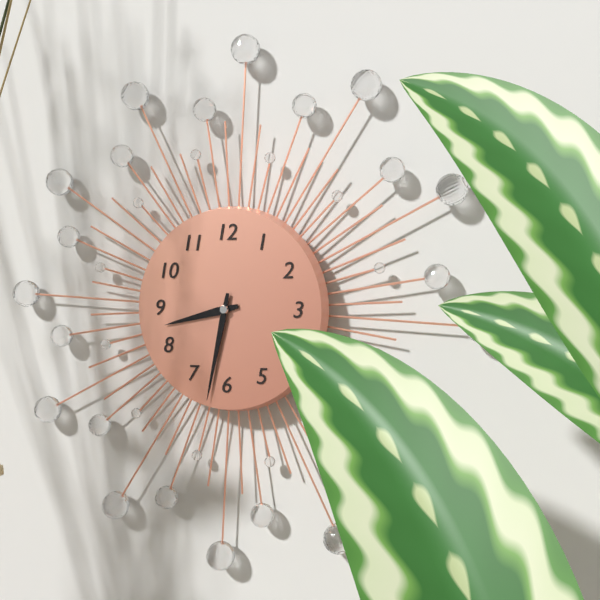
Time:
**8:32**
